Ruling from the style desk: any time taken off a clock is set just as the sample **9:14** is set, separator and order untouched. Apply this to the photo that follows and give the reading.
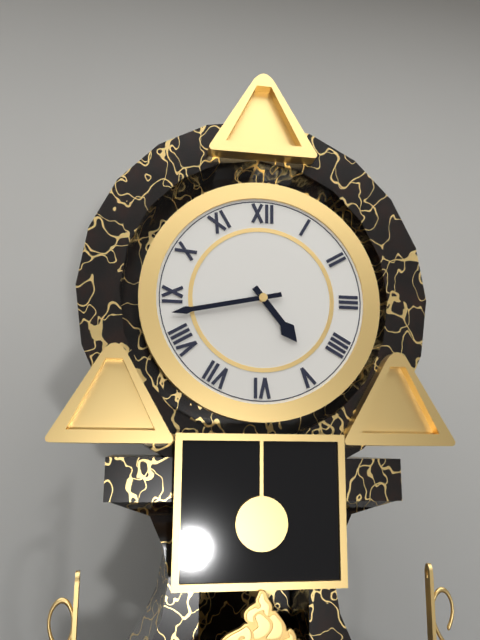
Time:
**4:43**
